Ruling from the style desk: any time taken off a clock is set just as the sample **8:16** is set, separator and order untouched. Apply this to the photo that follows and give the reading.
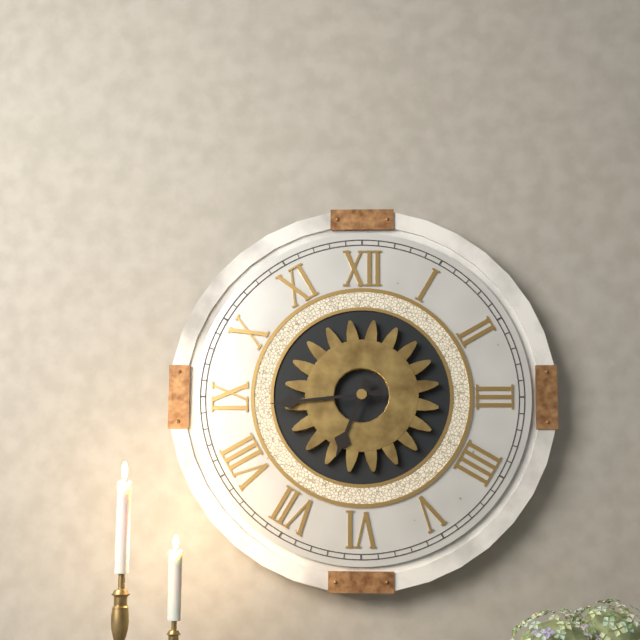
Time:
**6:44**
